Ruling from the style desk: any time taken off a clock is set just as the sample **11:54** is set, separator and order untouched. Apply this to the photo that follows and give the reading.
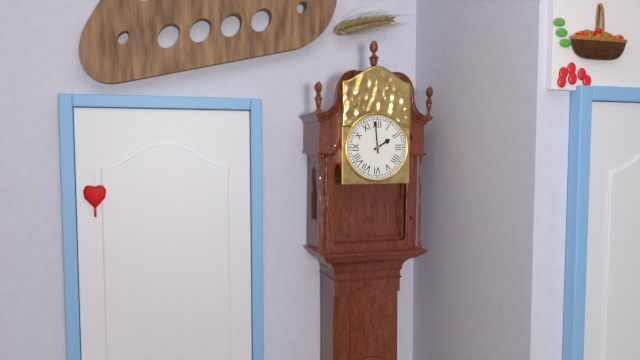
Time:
**1:59**
